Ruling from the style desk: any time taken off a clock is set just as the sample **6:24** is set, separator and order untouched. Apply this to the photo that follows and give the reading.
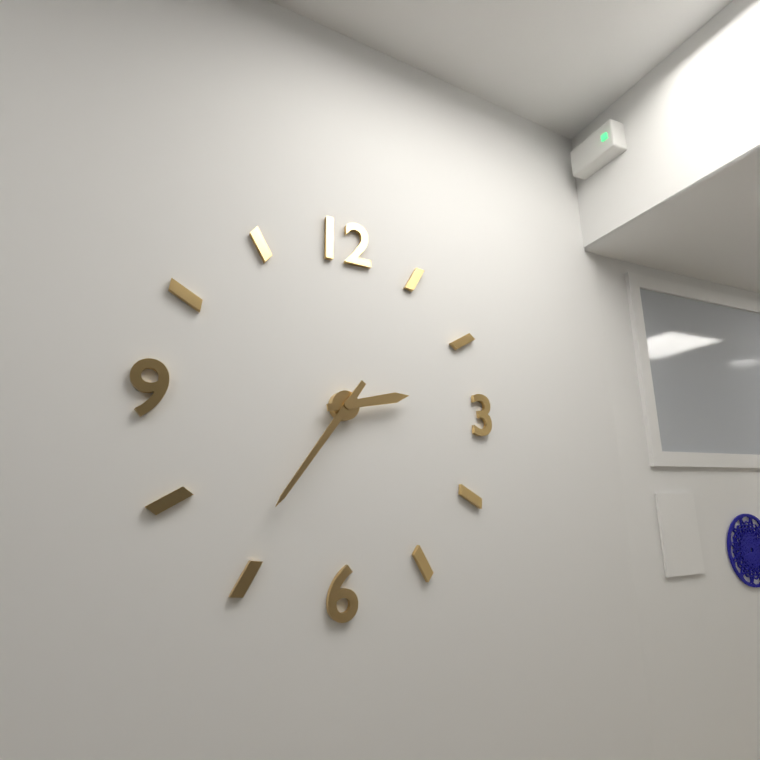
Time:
**2:36**
